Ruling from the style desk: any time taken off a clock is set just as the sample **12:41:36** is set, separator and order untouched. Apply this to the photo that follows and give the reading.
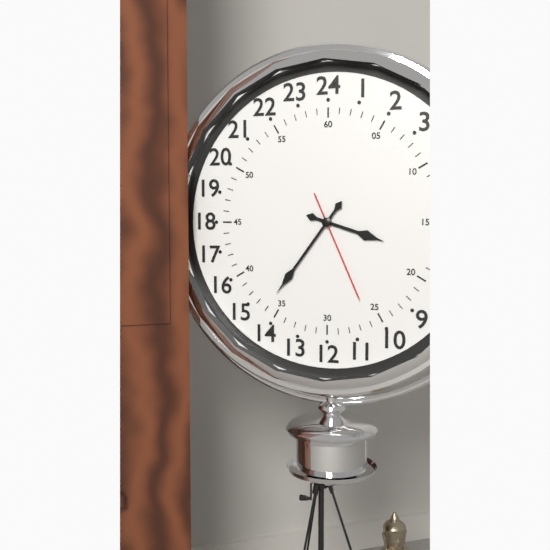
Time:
**3:36:26**
